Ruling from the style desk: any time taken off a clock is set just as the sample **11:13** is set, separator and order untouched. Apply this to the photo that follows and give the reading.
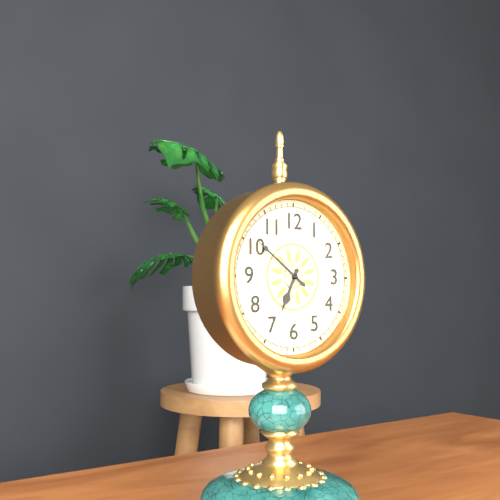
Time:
**6:51**
